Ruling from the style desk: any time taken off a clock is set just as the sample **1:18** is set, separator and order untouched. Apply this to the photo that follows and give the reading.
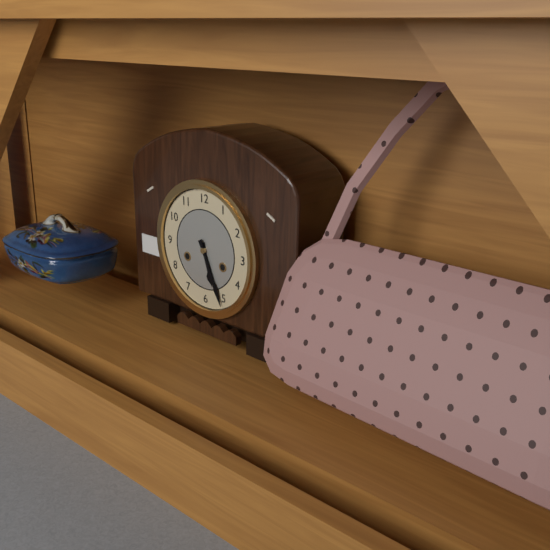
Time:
**5:26**
